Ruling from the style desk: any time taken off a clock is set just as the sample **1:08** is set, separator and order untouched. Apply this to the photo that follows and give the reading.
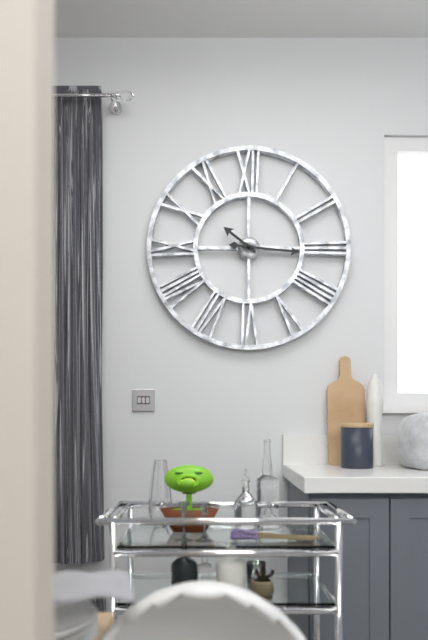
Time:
**10:16**
